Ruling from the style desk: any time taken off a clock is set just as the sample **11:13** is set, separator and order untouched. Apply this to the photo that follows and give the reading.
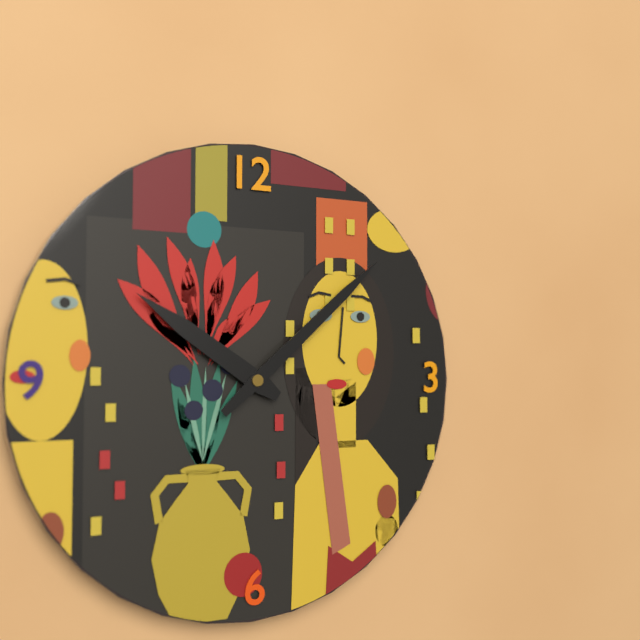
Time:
**10:08**
